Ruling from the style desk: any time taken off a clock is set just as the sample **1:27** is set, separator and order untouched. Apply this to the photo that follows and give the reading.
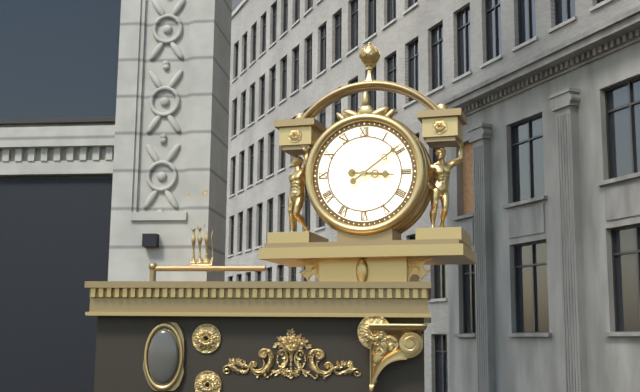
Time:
**3:09**
